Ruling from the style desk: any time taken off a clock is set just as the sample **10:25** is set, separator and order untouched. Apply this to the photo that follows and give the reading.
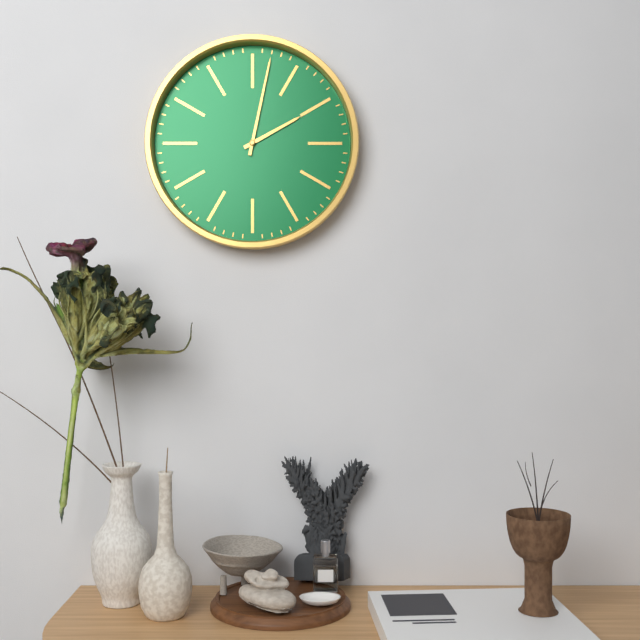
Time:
**2:02**
